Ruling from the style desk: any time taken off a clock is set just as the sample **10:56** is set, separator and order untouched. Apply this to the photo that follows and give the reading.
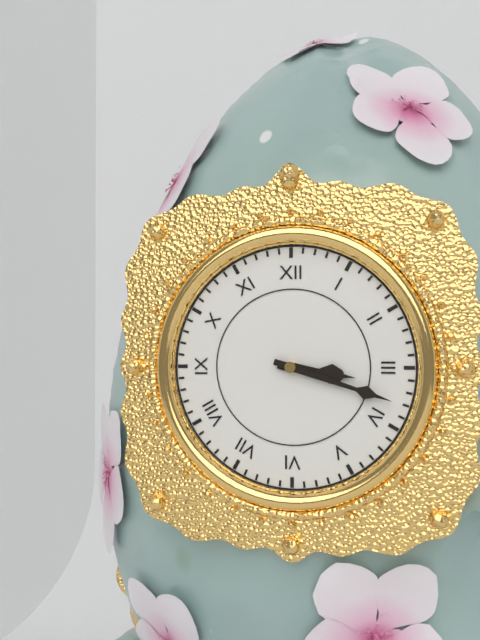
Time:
**3:18**
